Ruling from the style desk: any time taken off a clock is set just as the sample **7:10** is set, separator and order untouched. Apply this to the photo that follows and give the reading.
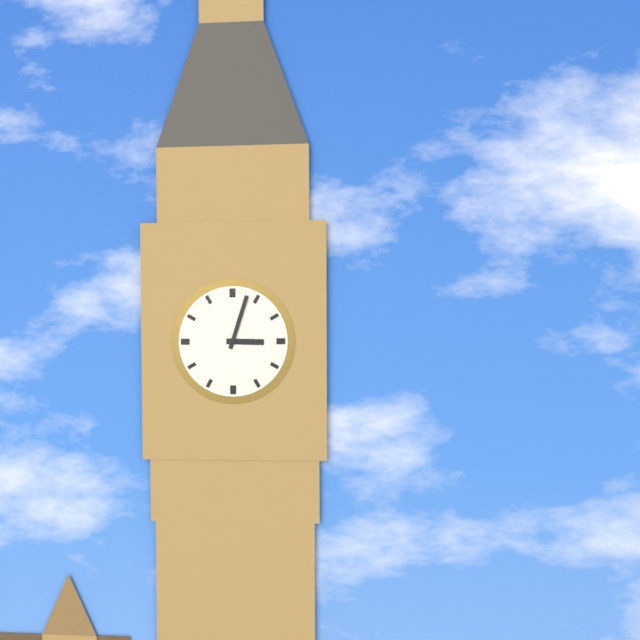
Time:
**3:03**
